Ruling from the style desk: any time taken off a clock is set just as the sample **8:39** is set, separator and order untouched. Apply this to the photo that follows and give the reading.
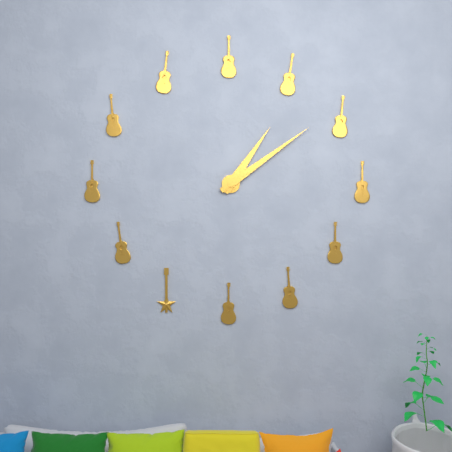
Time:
**1:09**
